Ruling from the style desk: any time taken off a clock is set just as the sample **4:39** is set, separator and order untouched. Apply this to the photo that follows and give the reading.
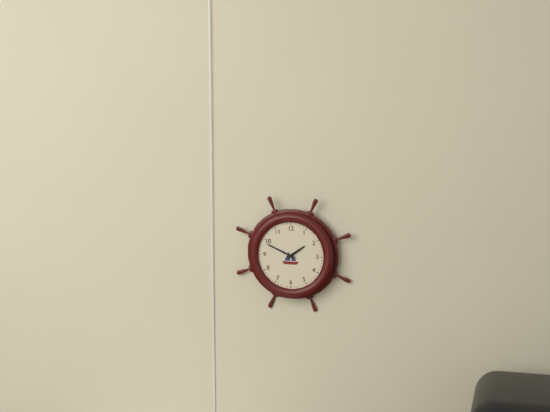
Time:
**1:49**
